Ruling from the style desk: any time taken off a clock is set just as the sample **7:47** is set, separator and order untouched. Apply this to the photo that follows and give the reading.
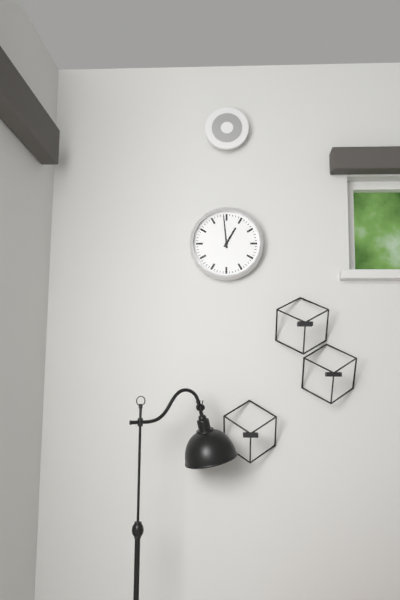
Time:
**12:59**
